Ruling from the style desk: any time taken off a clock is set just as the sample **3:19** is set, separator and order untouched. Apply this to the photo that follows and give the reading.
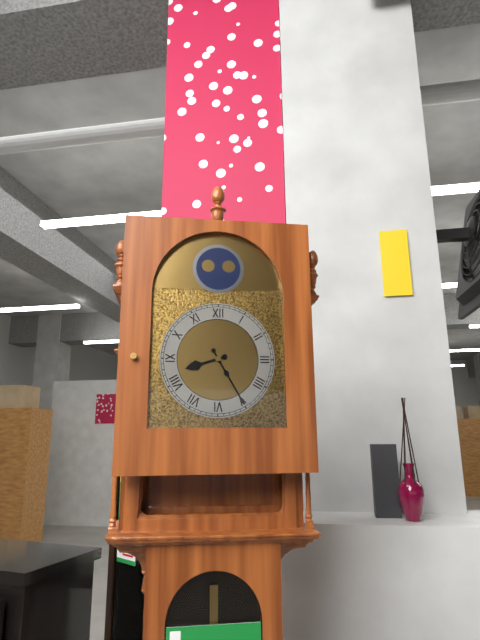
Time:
**8:25**
